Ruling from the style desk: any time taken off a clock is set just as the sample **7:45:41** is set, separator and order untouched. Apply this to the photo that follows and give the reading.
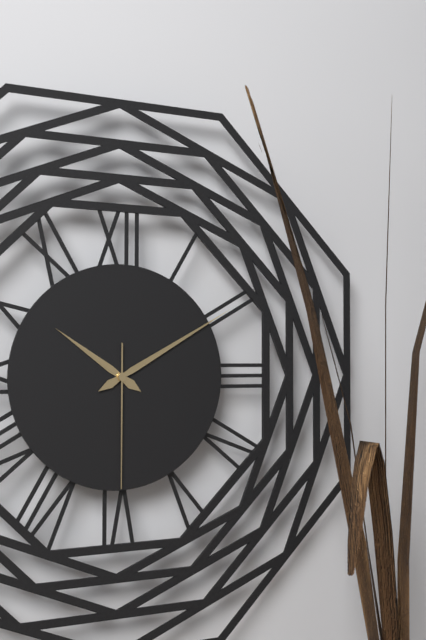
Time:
**10:10:30**
